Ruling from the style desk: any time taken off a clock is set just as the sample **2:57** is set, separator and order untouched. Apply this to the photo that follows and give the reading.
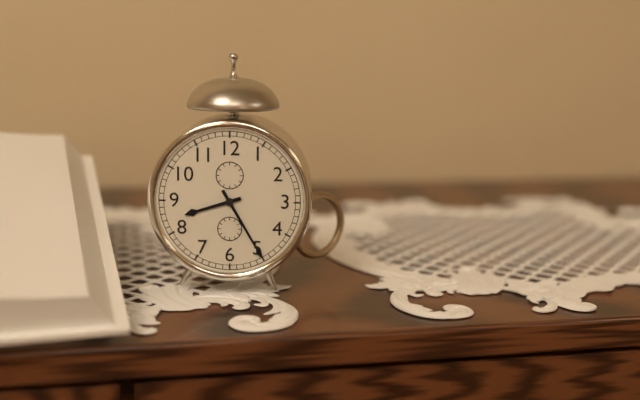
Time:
**8:25**
